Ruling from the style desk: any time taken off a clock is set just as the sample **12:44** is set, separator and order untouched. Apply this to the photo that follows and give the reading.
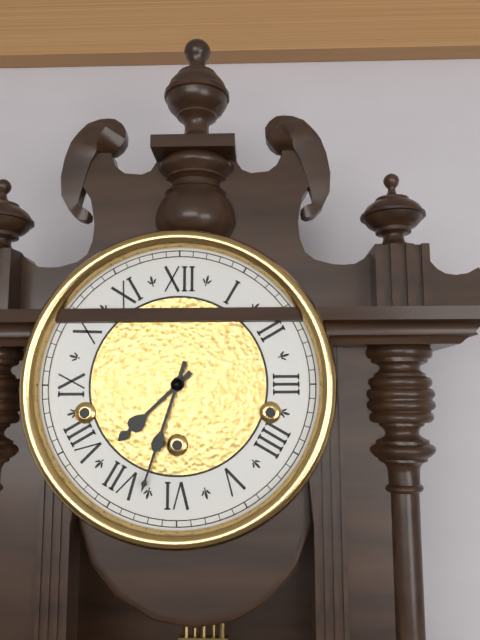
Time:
**7:33**
